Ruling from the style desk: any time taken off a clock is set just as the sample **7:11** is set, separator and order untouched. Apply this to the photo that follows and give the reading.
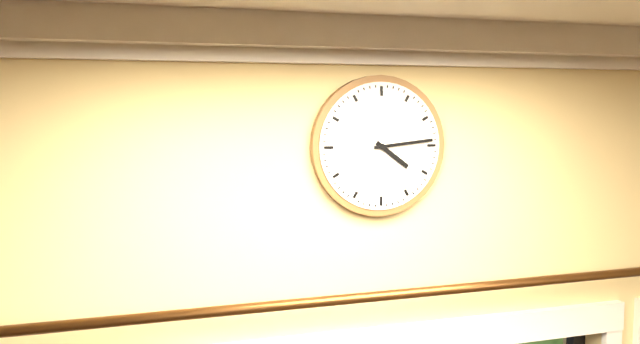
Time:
**4:14**
